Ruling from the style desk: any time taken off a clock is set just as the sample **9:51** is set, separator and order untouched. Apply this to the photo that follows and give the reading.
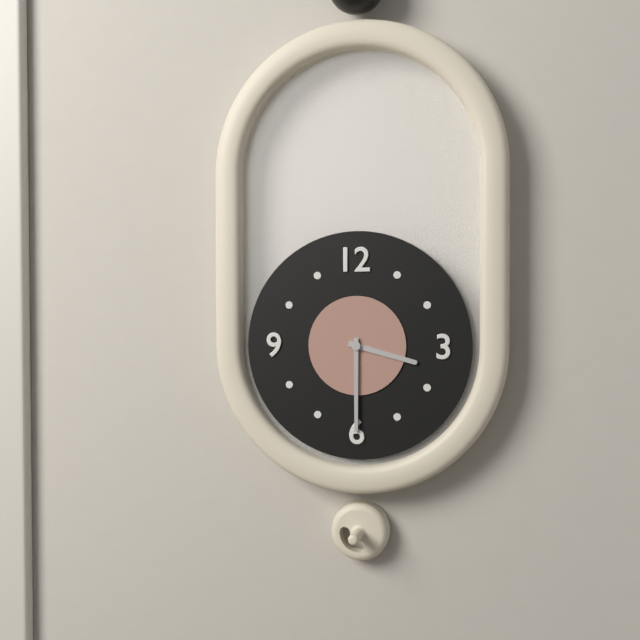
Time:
**3:30**
